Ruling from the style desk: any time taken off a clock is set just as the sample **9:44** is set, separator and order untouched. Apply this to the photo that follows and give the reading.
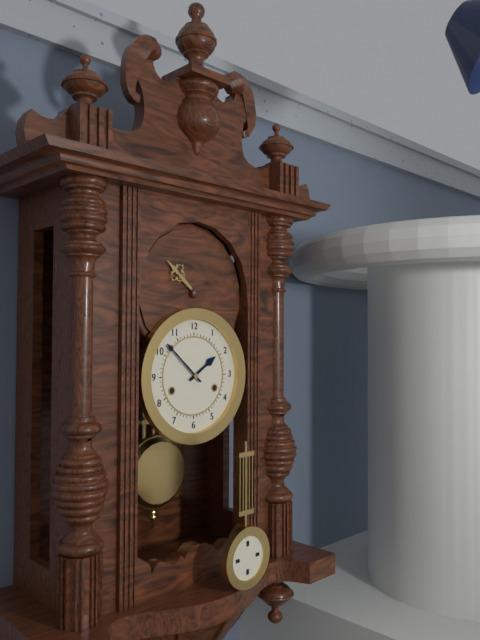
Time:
**1:52**
